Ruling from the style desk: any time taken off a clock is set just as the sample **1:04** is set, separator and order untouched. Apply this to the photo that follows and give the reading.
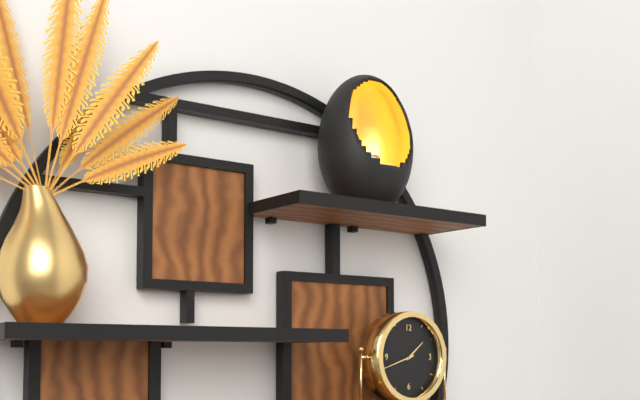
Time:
**1:42**
